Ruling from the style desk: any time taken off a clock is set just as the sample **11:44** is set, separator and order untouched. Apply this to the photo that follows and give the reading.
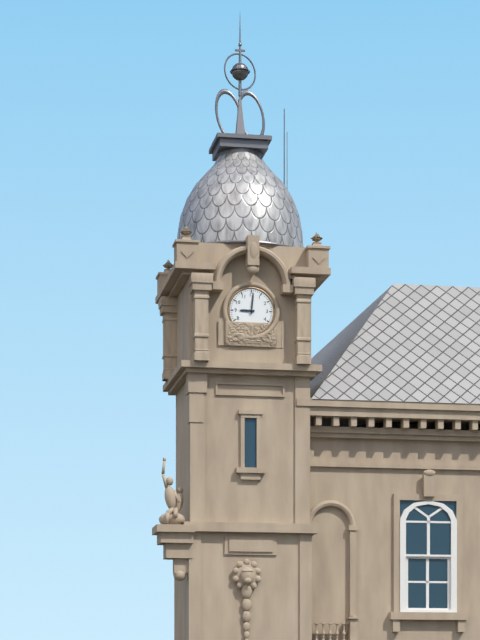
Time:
**9:01**
